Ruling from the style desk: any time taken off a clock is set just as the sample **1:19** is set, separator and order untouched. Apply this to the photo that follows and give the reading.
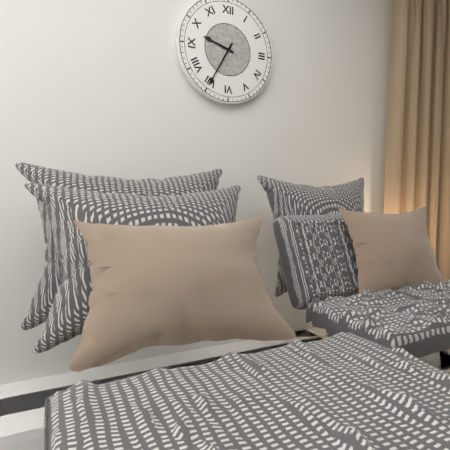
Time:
**9:35**
